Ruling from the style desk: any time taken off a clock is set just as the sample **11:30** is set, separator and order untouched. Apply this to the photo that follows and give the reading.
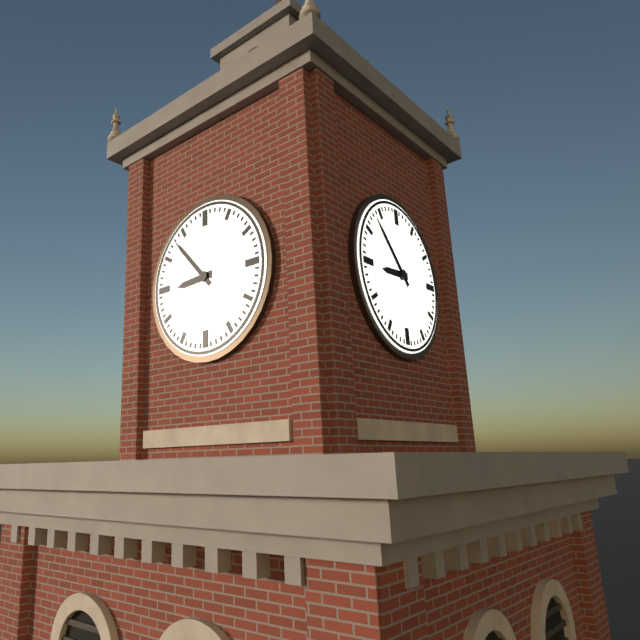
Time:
**8:53**
